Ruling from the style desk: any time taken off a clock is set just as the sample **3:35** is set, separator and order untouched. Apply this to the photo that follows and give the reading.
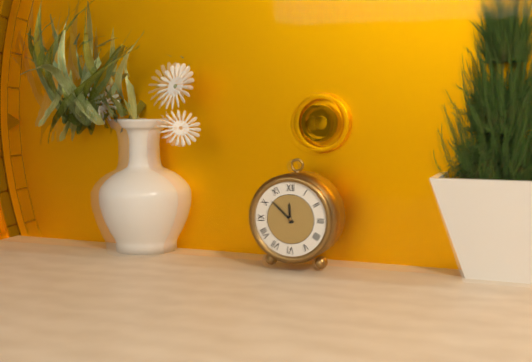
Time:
**11:52**
